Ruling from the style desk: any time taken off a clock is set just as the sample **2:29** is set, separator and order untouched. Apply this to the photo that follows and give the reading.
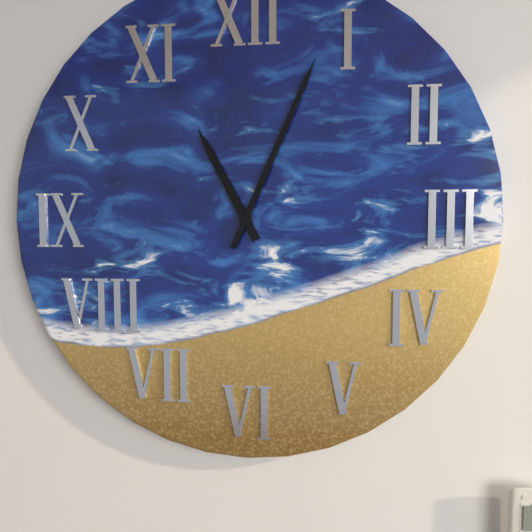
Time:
**11:04**
